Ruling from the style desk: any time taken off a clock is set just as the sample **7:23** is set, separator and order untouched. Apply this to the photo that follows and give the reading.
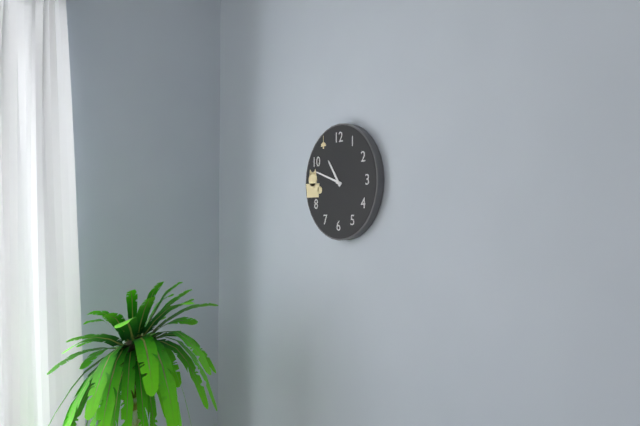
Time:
**10:48**
